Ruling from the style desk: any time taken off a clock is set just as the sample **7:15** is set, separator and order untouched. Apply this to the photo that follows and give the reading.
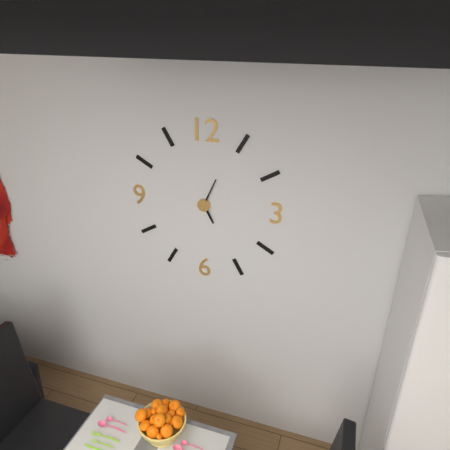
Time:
**5:04**
